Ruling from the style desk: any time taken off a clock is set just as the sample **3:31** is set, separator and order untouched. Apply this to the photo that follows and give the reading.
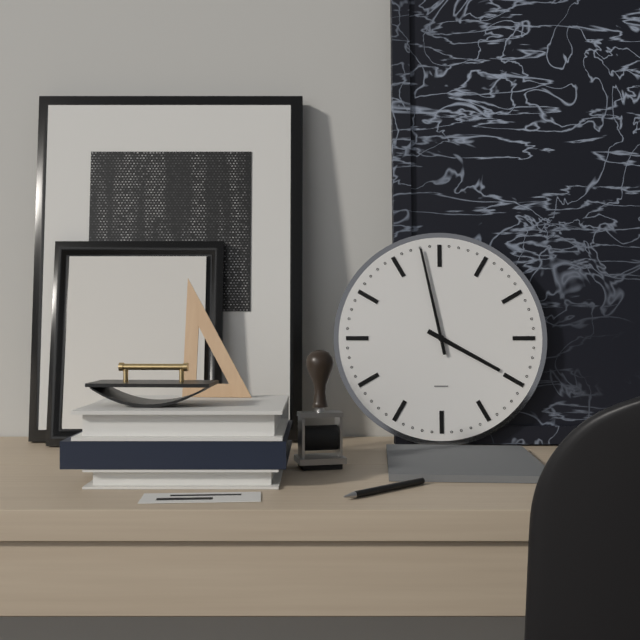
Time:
**3:58**
